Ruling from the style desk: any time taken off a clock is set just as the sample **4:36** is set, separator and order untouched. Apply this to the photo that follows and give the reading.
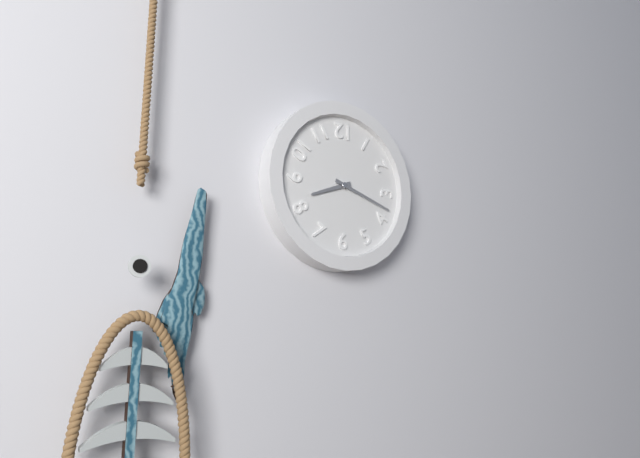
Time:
**8:18**
